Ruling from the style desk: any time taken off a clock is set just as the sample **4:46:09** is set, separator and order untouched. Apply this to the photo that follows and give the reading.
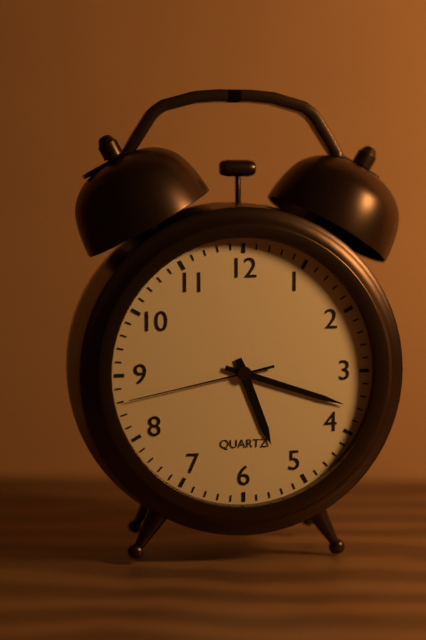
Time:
**5:18:43**
